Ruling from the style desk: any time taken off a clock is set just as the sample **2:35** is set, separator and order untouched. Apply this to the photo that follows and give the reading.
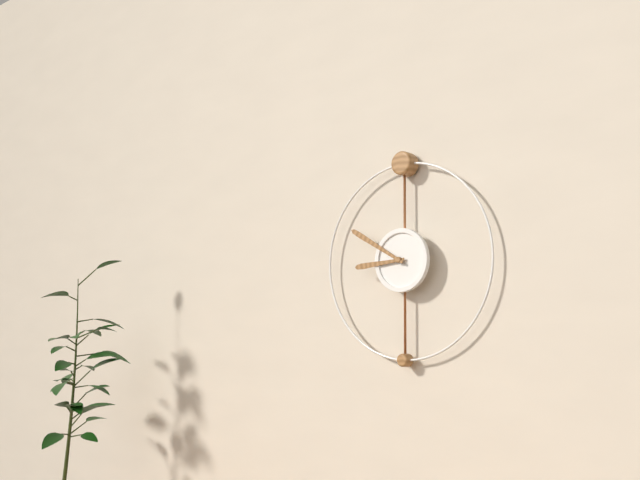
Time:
**8:50**
